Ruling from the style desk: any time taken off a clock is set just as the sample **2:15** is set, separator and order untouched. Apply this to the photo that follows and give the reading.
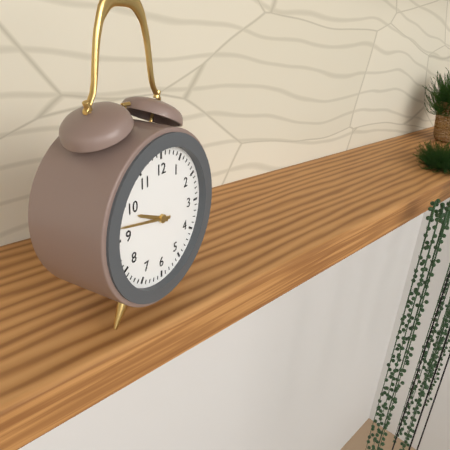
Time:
**9:47**
